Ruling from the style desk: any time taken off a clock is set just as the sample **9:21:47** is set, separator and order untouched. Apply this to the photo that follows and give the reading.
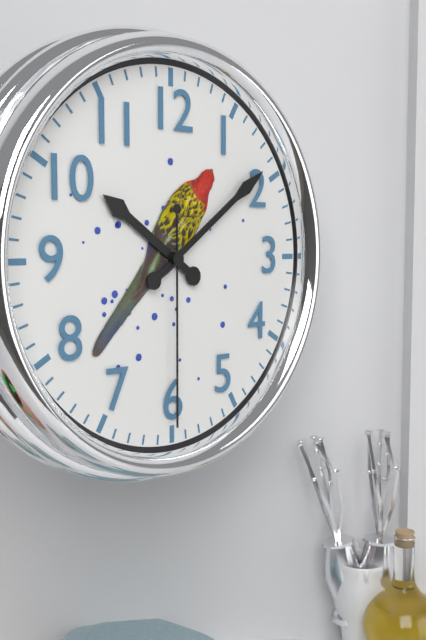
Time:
**10:09:30**
